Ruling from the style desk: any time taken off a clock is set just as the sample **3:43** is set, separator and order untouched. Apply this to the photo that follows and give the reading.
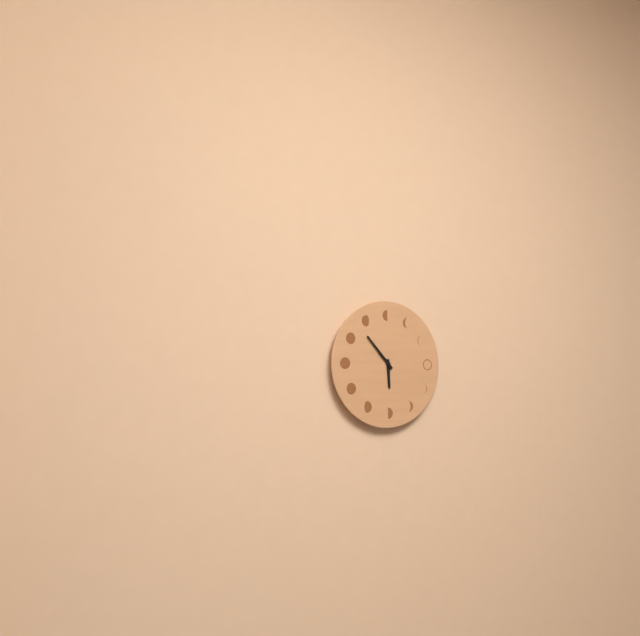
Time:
**5:53**
